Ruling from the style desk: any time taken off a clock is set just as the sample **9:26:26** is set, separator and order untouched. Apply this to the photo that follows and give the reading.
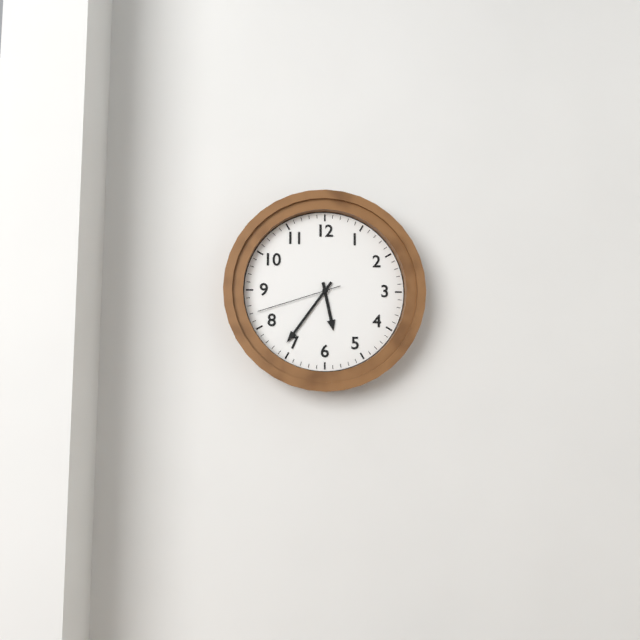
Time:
**5:36:42**
